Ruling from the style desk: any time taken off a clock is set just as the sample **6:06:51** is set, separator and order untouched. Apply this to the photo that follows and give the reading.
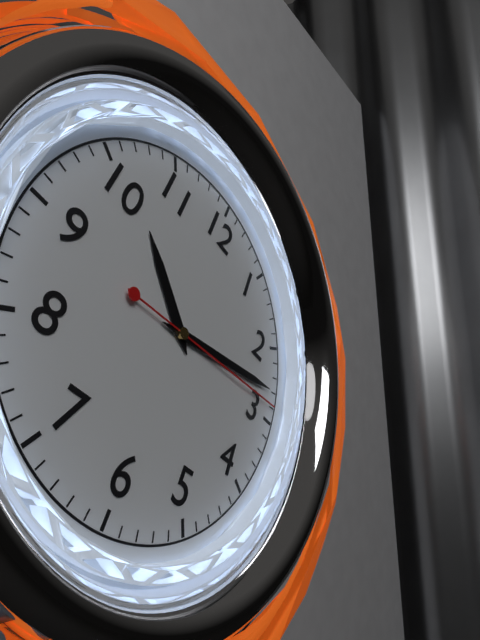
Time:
**10:13:14**
